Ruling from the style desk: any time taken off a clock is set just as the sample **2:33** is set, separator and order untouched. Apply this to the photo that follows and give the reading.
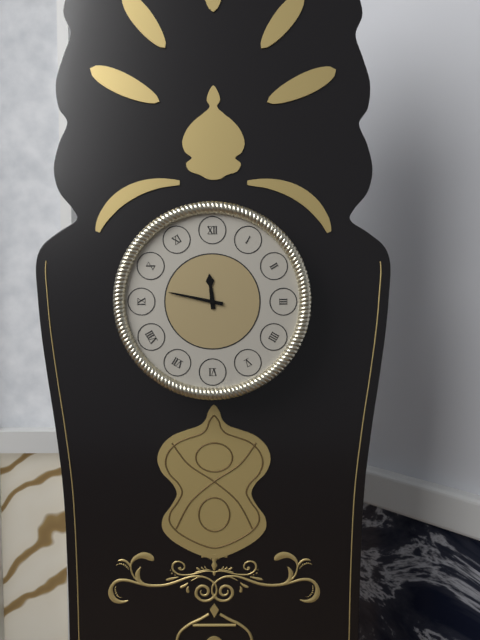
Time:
**11:47**
